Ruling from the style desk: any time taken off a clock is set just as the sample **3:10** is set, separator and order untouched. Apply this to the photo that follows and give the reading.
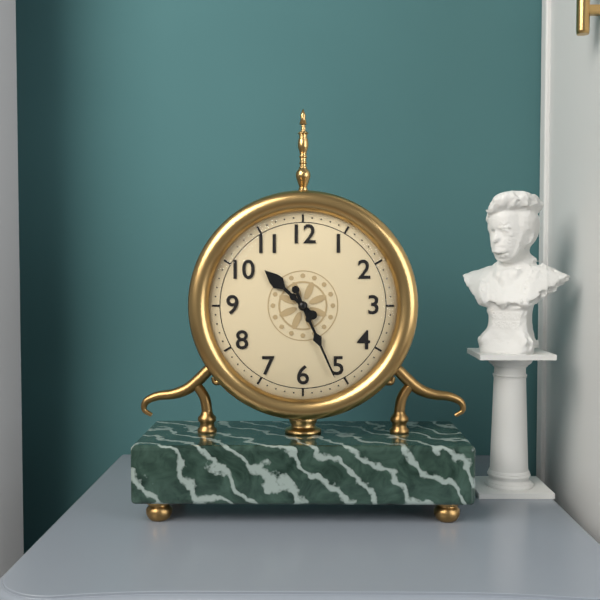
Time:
**10:26**
